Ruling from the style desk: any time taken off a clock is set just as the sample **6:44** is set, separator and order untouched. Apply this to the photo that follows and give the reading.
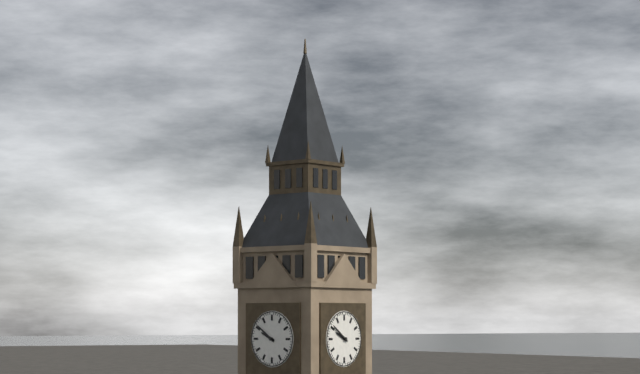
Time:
**9:51**
